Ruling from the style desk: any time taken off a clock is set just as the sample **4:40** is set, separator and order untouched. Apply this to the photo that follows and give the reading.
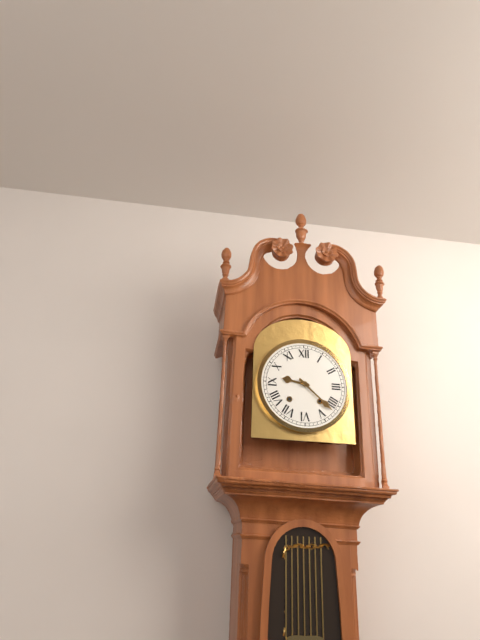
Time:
**9:22**
